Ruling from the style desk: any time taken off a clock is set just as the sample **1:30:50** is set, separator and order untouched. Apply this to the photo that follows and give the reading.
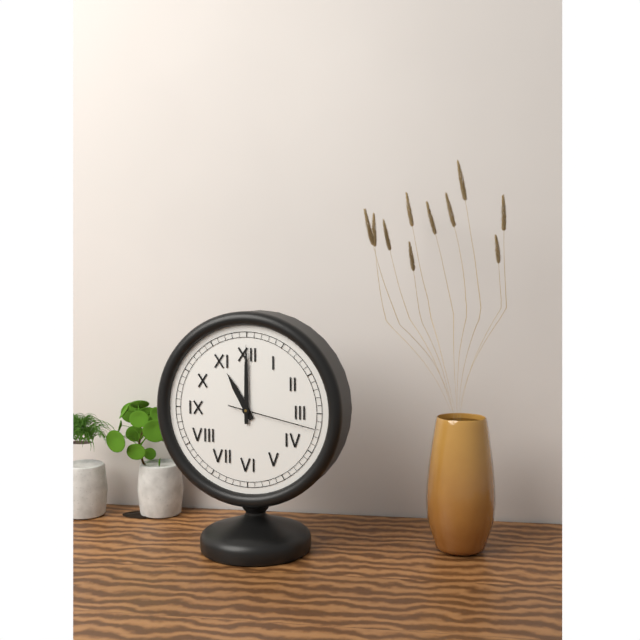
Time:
**11:00:17**
